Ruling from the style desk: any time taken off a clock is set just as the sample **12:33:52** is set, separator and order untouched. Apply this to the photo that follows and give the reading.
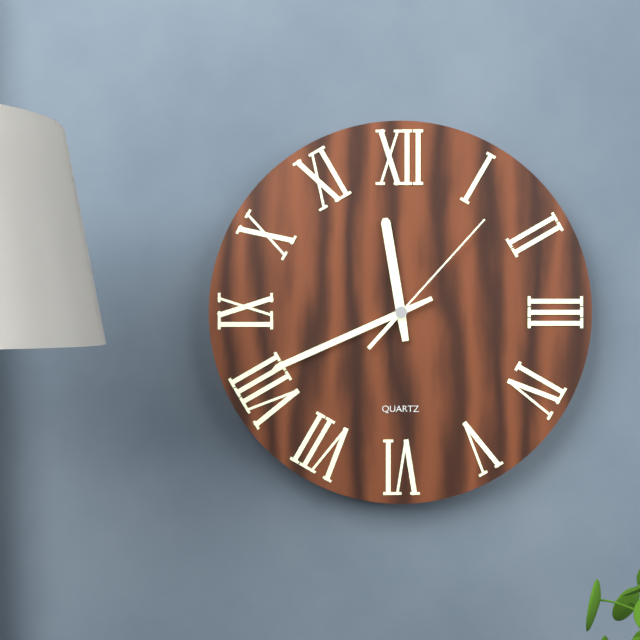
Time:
**11:41:07**
